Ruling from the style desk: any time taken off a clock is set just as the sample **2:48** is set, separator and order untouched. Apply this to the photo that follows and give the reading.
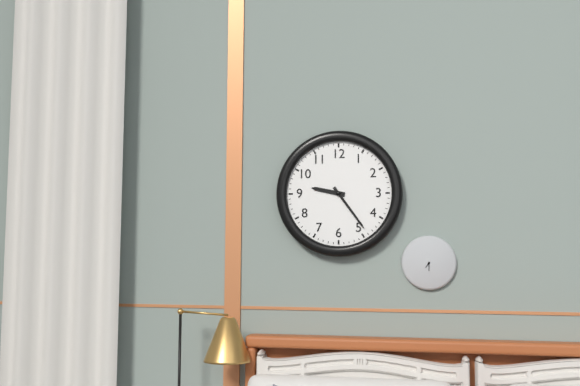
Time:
**9:24**
